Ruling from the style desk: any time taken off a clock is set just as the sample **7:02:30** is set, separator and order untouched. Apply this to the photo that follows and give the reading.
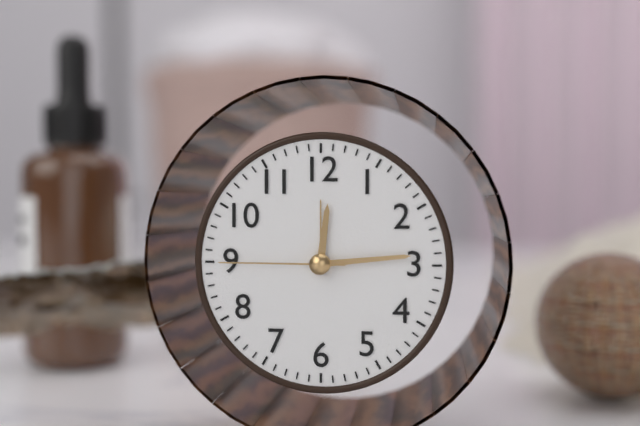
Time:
**12:14:45**
